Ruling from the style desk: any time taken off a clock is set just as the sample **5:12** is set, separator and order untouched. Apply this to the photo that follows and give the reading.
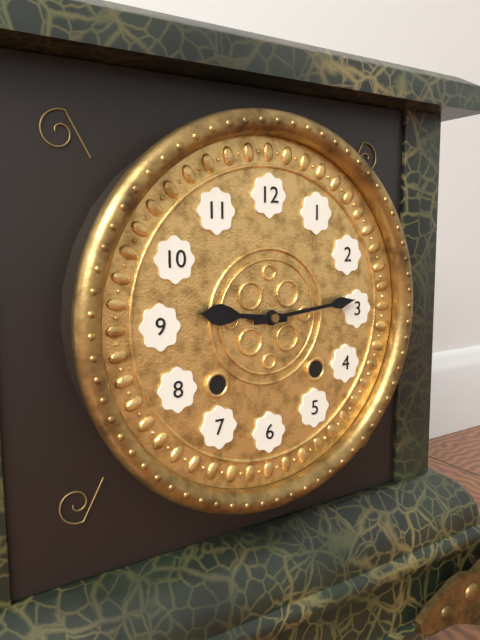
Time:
**9:14**
